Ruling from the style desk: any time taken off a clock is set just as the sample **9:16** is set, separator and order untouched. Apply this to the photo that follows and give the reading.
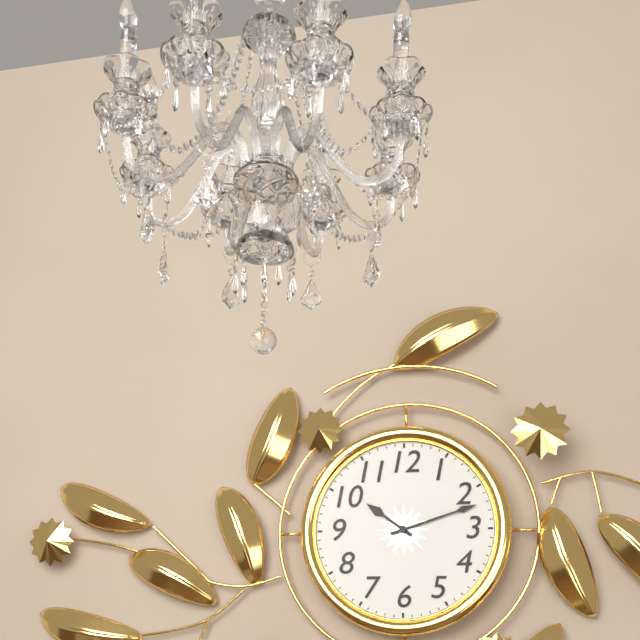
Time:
**10:12**
